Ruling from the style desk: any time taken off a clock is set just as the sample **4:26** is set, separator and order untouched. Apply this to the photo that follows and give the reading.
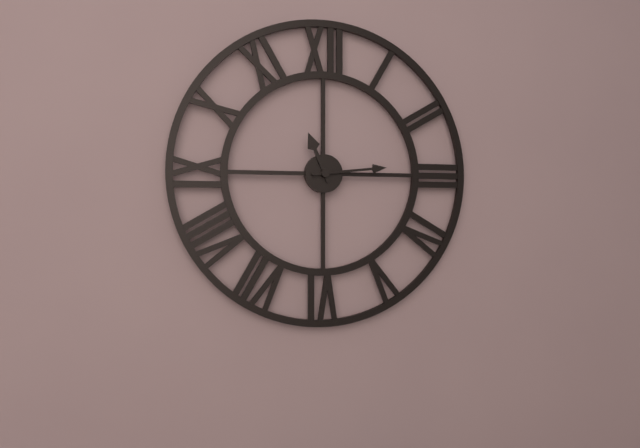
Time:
**11:14**
